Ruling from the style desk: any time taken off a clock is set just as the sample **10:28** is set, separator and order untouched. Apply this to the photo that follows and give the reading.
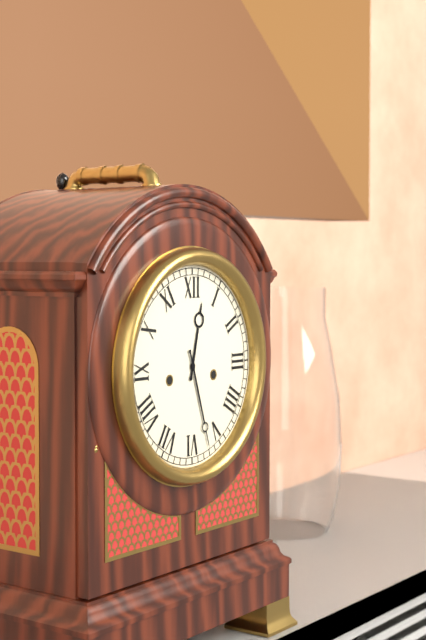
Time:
**12:27**
